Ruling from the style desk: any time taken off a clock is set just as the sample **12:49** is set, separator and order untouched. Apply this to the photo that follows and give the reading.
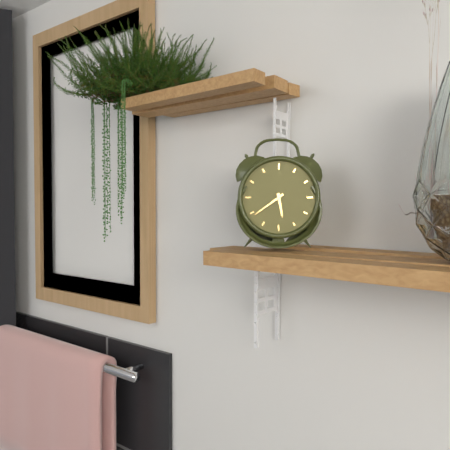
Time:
**5:39**
